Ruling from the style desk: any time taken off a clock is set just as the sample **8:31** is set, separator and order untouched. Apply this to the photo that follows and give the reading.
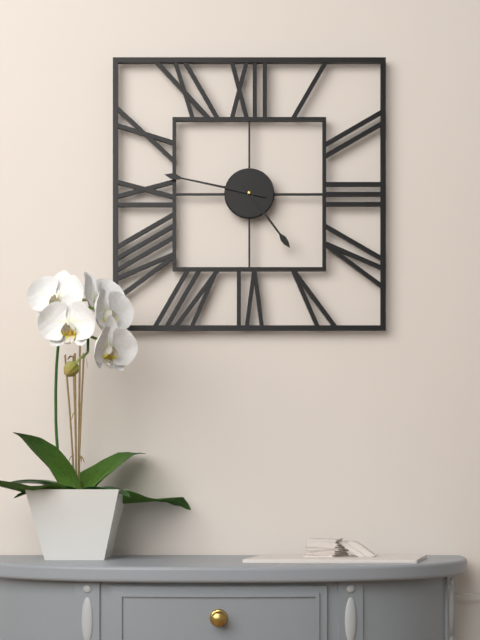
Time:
**4:47**
